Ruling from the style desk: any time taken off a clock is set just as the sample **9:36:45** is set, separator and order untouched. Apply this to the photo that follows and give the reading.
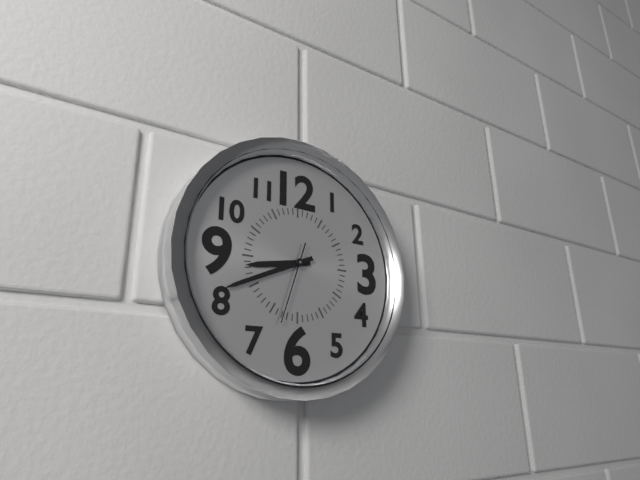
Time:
**8:41:33**
